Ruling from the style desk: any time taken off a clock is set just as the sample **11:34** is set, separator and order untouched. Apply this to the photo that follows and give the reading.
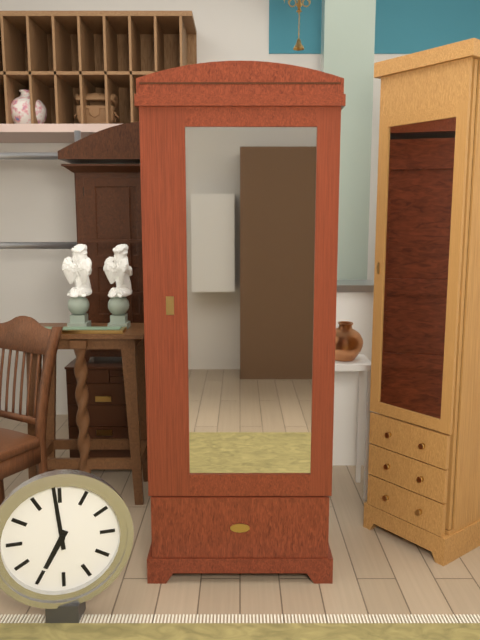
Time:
**6:59**
